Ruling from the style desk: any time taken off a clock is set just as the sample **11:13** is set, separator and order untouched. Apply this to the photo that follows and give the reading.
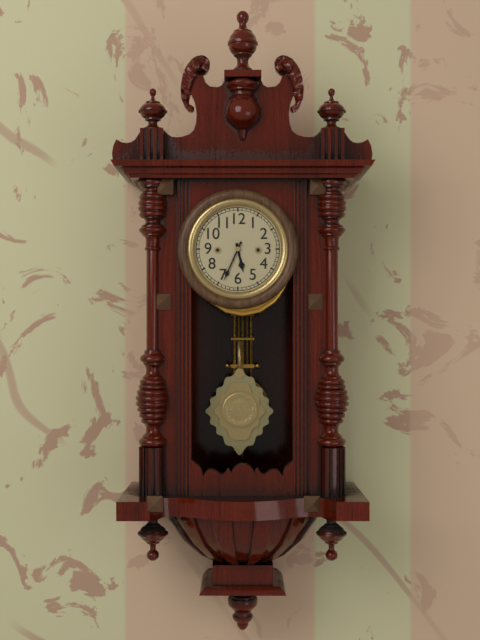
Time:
**5:34**
